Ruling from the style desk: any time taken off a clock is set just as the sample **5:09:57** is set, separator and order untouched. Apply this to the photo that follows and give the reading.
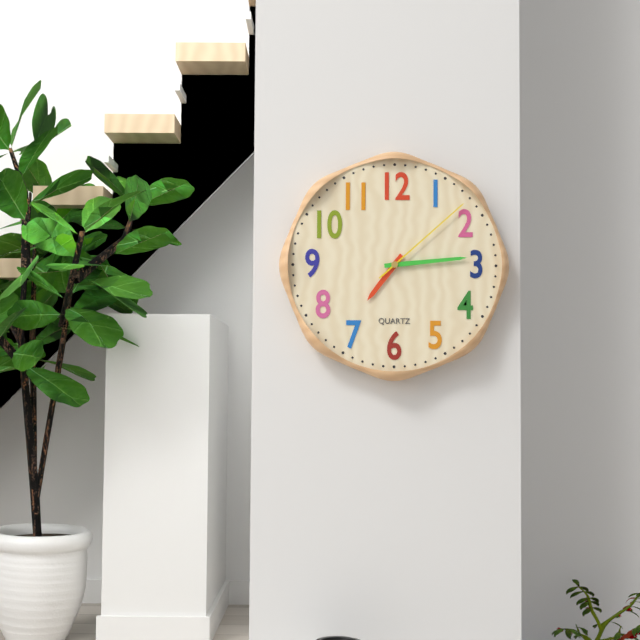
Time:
**7:14:08**
